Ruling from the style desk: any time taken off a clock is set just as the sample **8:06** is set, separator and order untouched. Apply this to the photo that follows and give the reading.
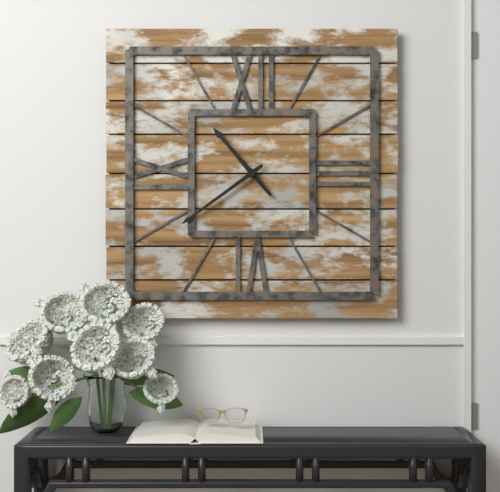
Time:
**10:39**
